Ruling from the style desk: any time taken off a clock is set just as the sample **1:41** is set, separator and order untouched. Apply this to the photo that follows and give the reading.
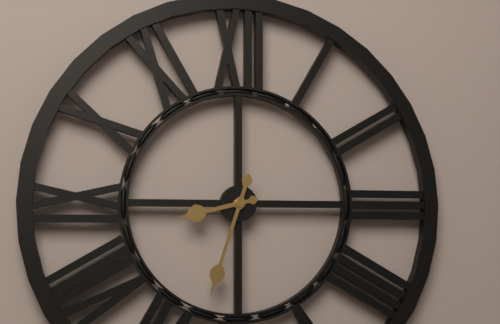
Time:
**8:33**
